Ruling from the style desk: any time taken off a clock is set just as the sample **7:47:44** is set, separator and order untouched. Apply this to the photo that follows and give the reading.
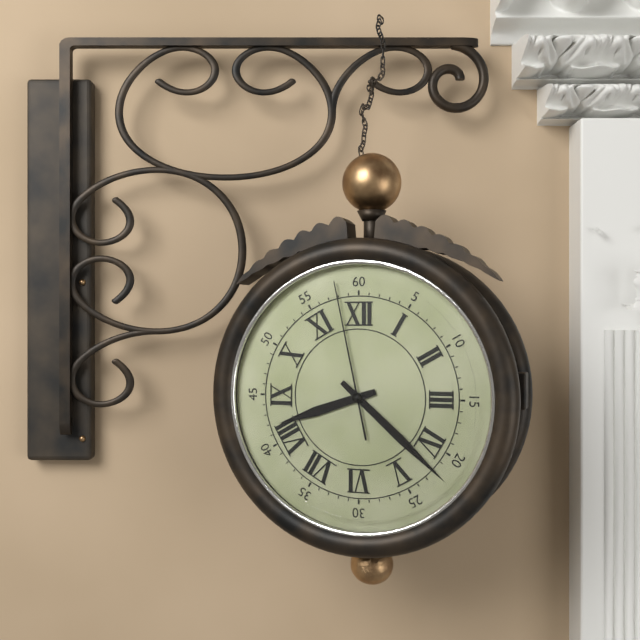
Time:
**8:22:58**
